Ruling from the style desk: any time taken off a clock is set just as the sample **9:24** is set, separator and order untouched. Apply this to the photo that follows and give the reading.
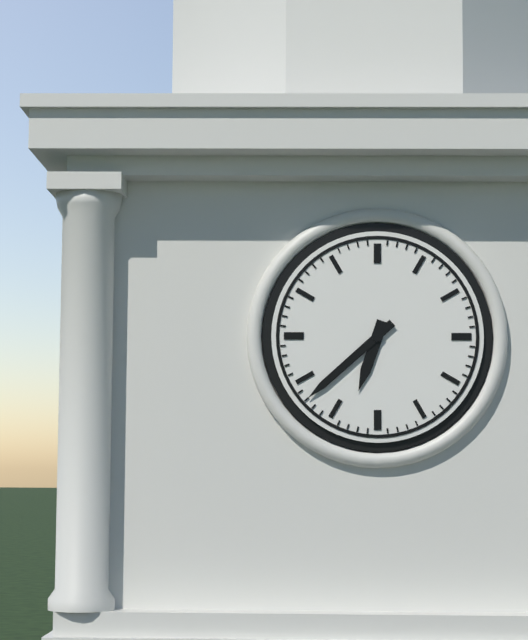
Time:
**6:38**
